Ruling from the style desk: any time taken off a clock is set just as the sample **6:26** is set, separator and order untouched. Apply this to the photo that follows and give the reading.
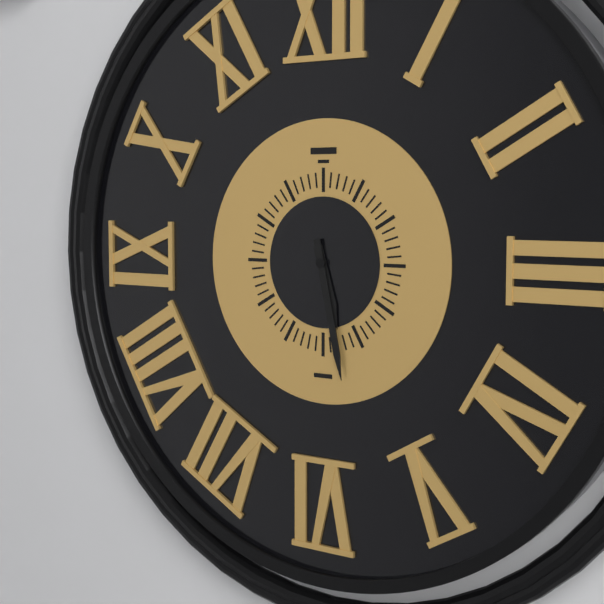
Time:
**5:28**
